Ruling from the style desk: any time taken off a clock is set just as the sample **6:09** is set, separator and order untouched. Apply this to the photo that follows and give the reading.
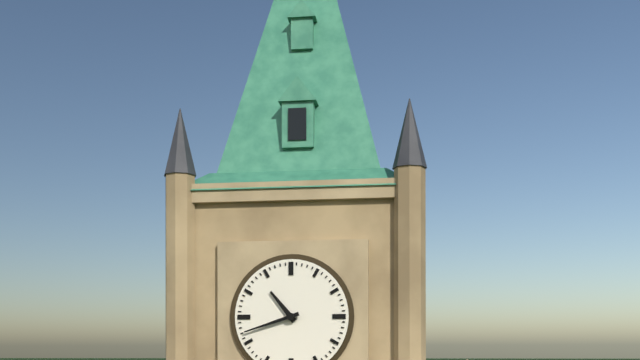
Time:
**10:42**
